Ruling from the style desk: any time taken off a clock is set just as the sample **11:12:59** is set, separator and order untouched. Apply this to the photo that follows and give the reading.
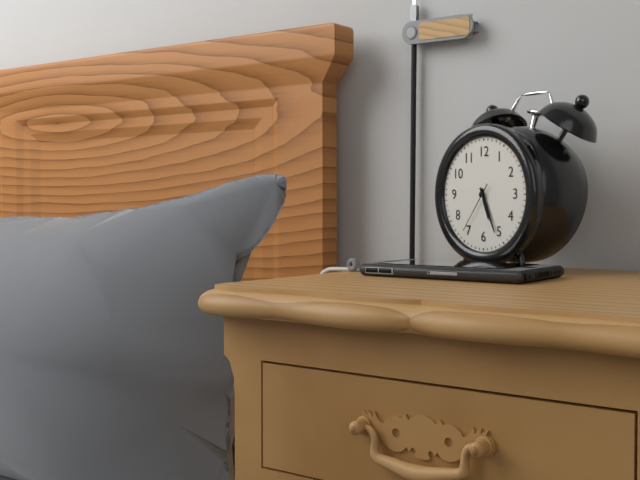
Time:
**5:26:36**
